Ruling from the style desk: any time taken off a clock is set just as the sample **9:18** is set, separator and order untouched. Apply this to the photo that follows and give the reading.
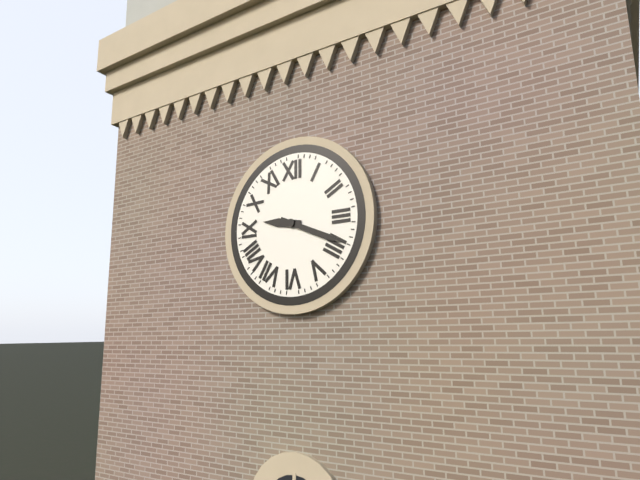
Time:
**9:19**
